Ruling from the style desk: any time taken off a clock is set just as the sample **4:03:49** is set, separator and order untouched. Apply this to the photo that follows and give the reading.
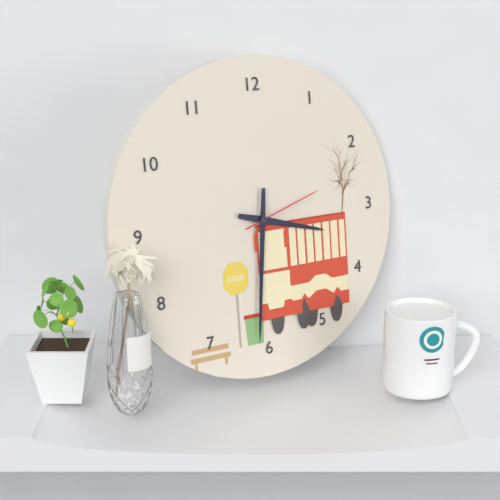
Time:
**3:31:12**
